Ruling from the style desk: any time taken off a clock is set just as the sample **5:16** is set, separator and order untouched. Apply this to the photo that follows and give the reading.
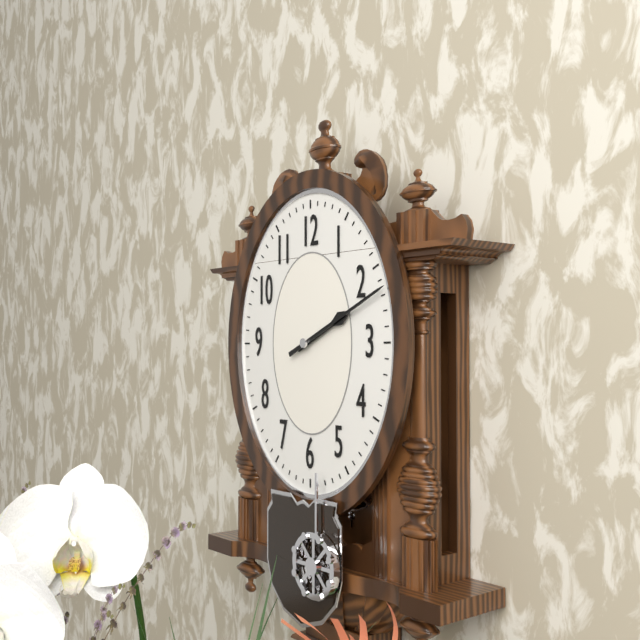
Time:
**2:11**
